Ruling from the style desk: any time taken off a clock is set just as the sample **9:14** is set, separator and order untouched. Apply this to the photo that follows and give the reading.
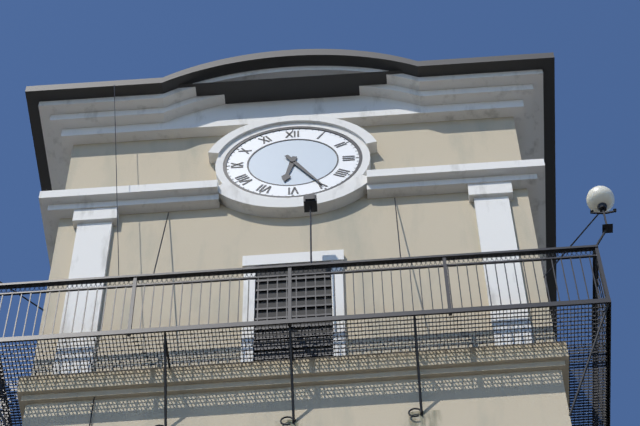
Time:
**6:25**
